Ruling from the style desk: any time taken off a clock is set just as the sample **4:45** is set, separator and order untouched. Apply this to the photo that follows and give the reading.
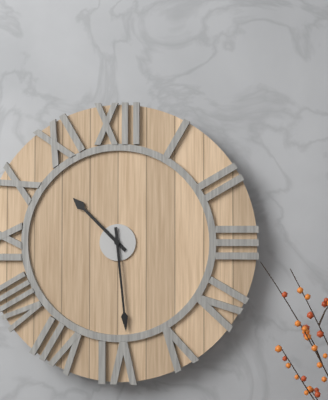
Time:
**10:29**
